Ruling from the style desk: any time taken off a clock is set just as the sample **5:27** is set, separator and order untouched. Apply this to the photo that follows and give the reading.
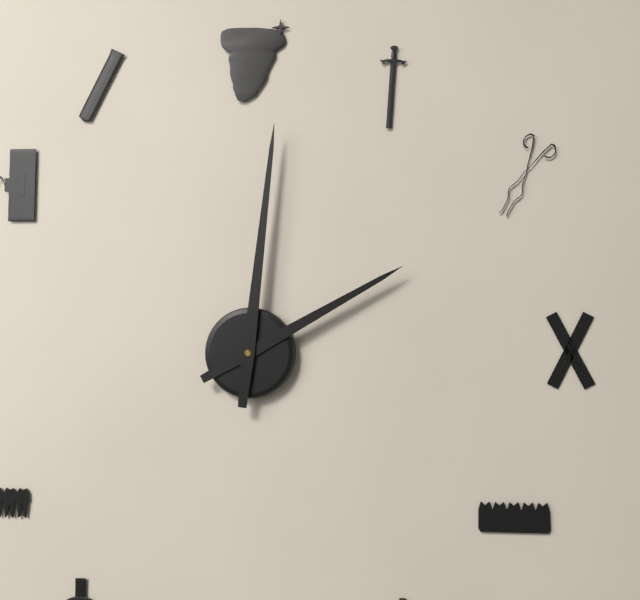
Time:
**2:01**
